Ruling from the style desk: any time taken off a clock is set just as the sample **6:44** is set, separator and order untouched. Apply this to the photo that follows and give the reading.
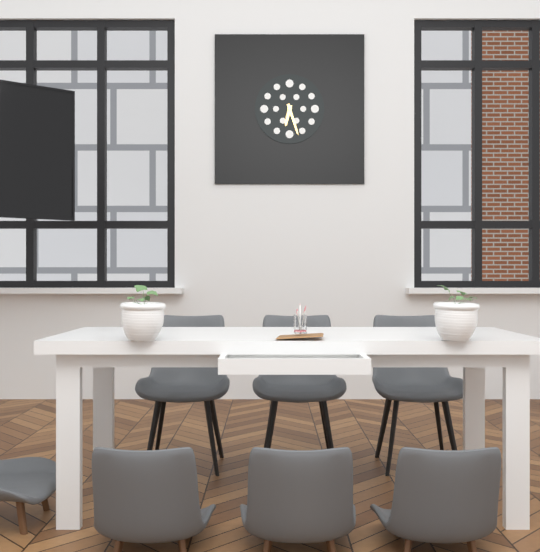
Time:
**6:27**
